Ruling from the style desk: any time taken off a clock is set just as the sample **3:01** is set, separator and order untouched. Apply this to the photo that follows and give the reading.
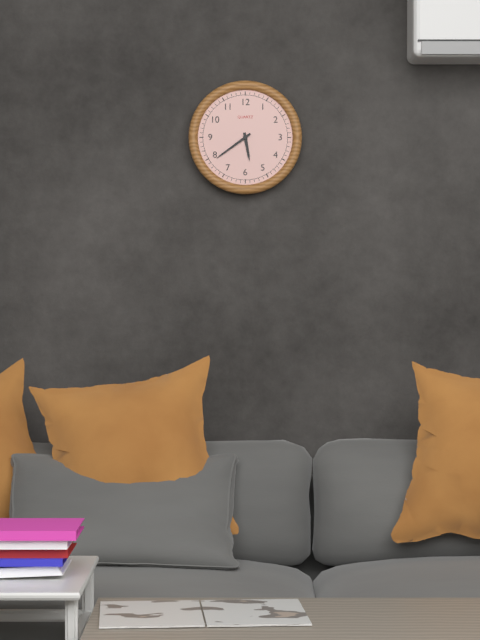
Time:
**5:39**
